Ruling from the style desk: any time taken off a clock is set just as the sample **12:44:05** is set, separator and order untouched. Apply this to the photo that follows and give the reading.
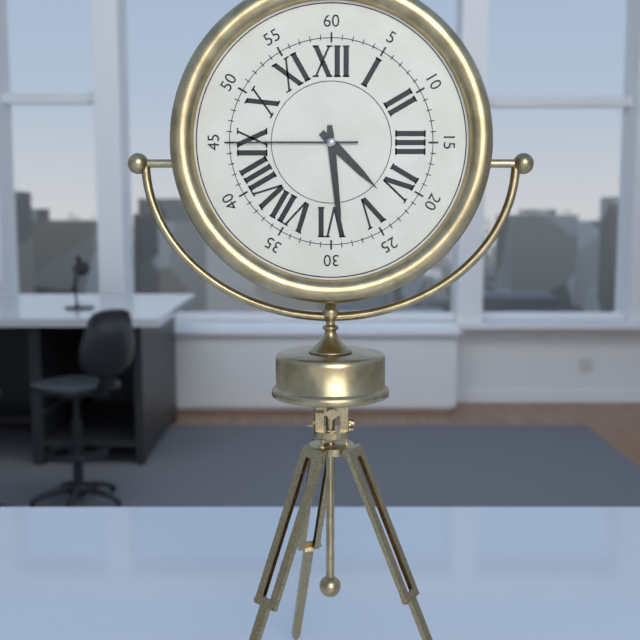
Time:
**4:29:45**
